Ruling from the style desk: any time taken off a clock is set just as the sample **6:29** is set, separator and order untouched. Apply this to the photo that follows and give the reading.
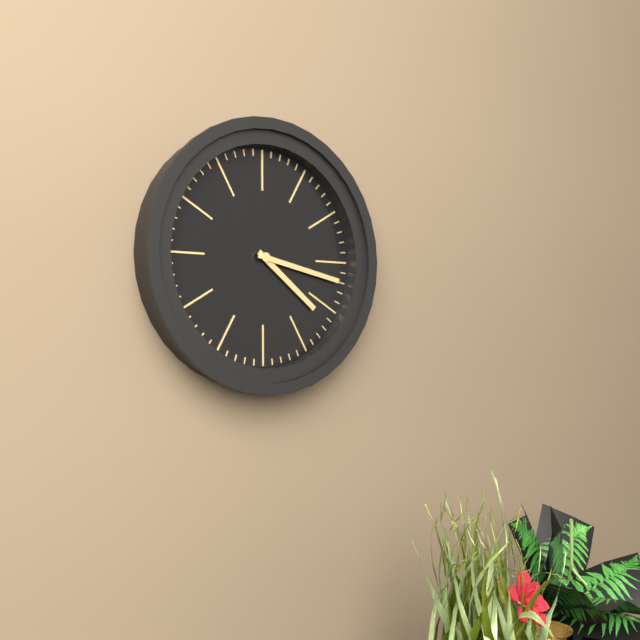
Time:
**4:17**
